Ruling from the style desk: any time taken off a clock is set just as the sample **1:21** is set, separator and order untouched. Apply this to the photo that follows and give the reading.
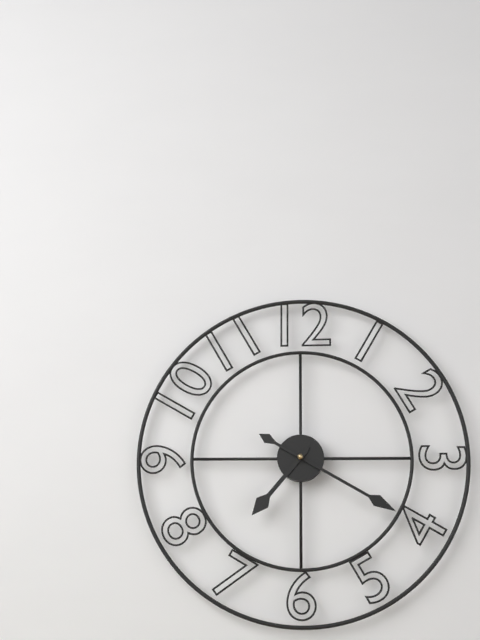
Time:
**7:20**
